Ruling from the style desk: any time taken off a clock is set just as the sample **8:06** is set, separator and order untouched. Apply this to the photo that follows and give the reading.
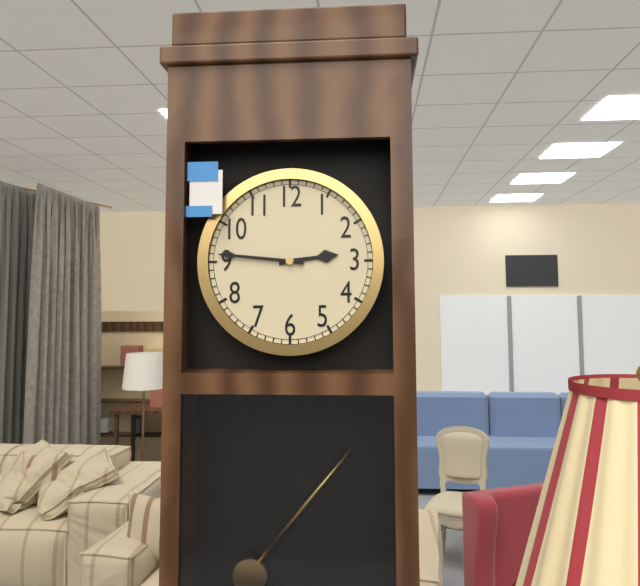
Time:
**2:46**
